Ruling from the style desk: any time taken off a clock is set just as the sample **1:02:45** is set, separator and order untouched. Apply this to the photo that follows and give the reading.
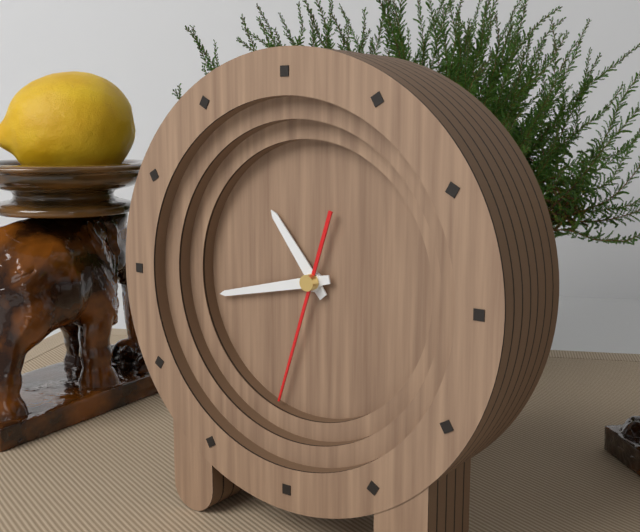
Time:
**10:43:33**
